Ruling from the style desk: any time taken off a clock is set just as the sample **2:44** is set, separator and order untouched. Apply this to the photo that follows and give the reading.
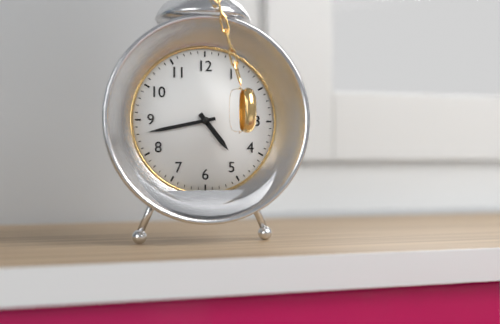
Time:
**4:43**
